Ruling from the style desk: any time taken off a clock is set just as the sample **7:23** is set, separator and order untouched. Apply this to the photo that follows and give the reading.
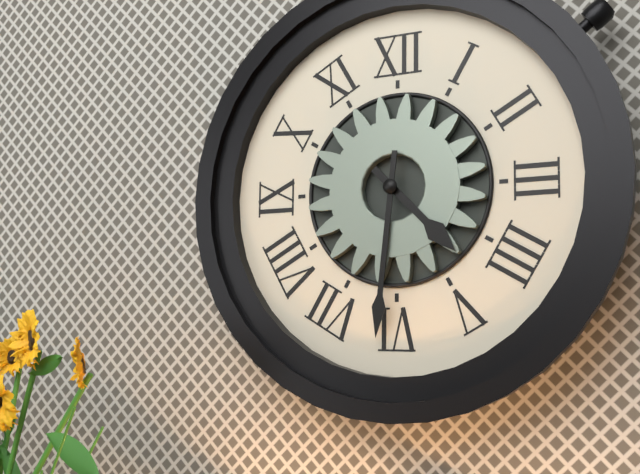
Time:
**4:31**
